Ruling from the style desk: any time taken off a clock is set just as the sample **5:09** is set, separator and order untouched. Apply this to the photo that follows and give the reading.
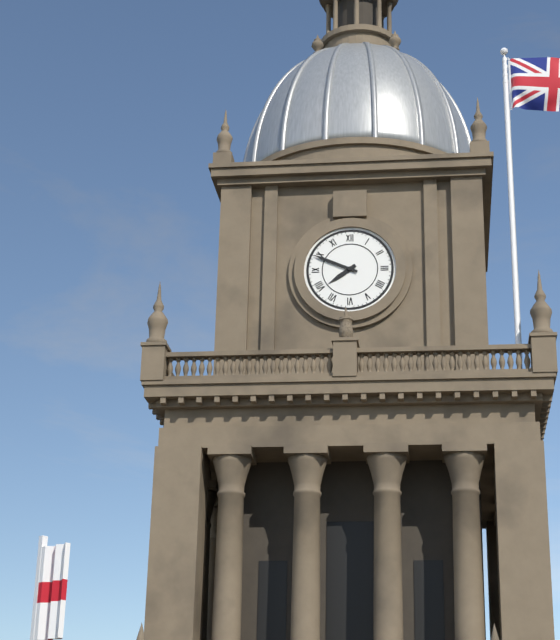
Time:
**7:49**
